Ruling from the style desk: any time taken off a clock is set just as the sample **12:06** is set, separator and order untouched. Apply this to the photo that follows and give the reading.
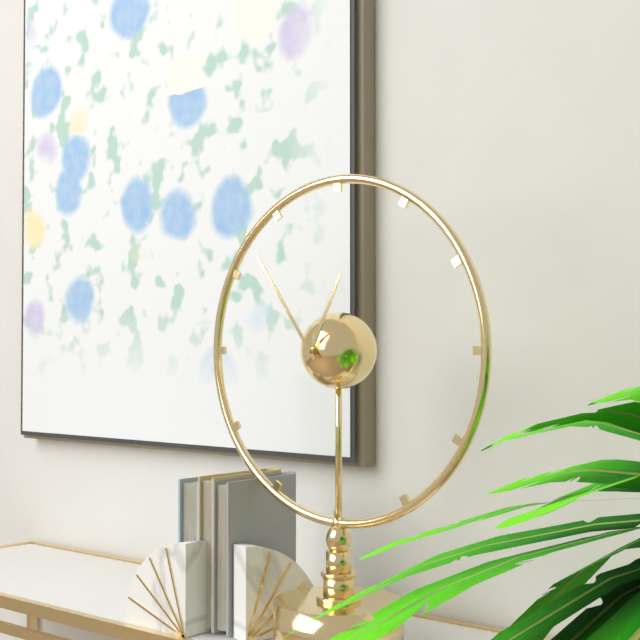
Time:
**12:54**
